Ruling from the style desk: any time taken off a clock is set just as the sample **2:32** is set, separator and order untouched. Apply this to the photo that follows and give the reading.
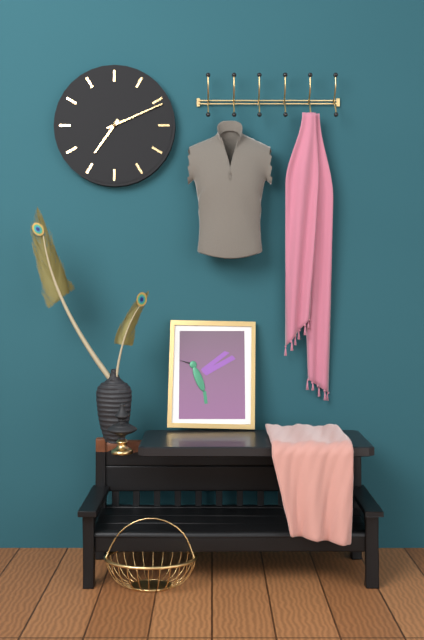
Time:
**7:11**
